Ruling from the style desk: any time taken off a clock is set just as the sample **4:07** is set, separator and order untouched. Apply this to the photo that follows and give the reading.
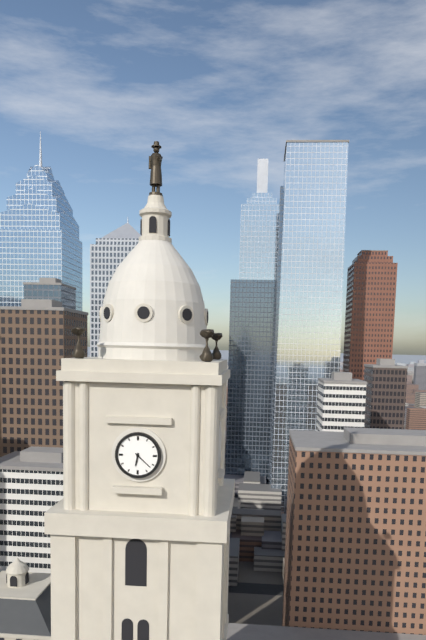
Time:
**6:22**
